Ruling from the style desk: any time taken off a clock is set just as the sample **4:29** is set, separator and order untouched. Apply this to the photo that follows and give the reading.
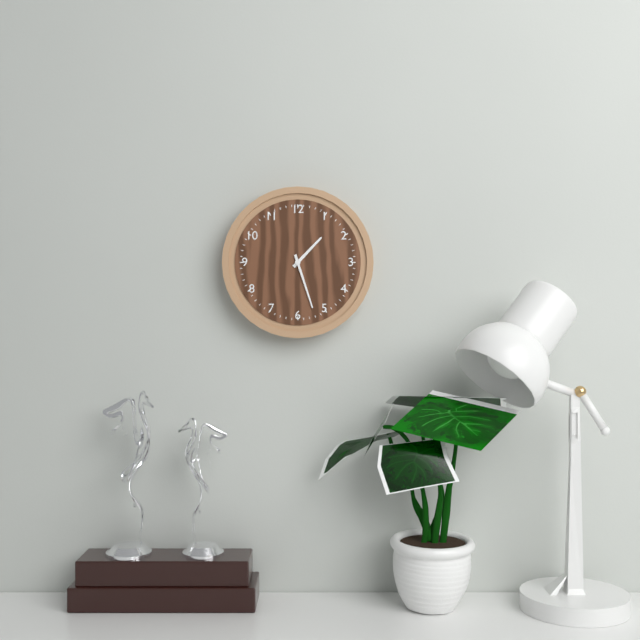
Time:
**1:27**
